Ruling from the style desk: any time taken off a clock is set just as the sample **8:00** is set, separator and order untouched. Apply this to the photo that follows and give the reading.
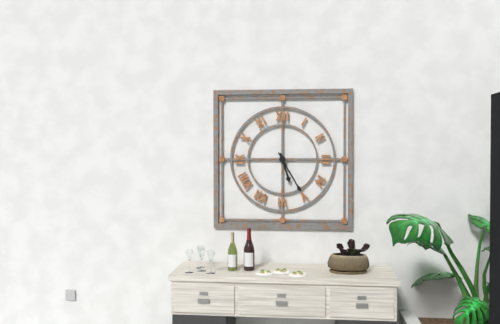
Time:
**5:25**
